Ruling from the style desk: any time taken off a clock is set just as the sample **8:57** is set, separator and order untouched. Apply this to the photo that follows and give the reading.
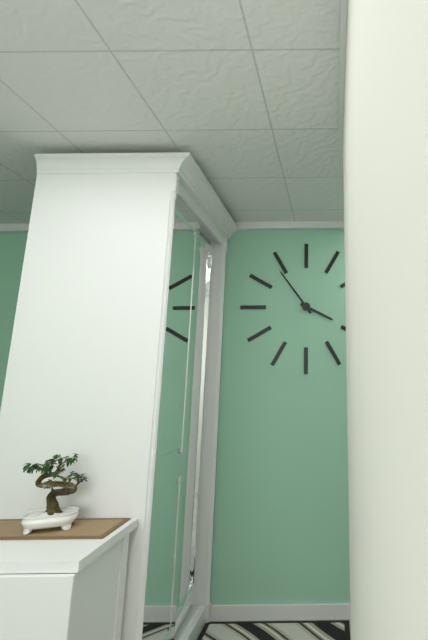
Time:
**3:54**
